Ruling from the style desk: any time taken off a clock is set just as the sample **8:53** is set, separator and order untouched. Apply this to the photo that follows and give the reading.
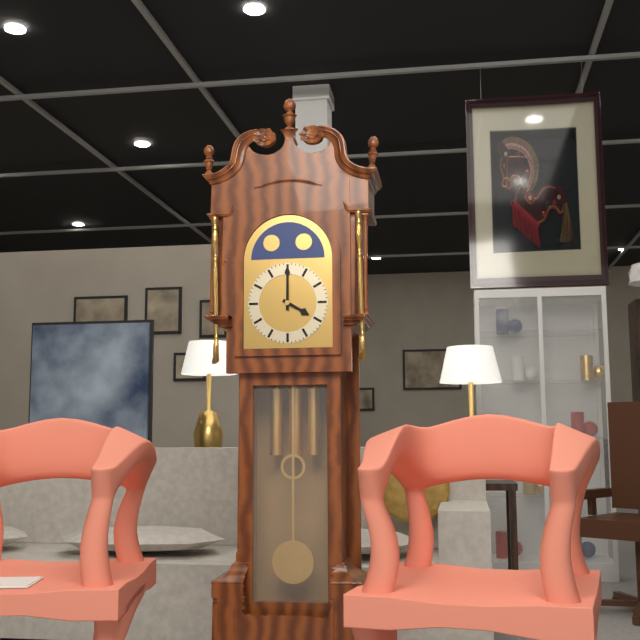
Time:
**4:00**
